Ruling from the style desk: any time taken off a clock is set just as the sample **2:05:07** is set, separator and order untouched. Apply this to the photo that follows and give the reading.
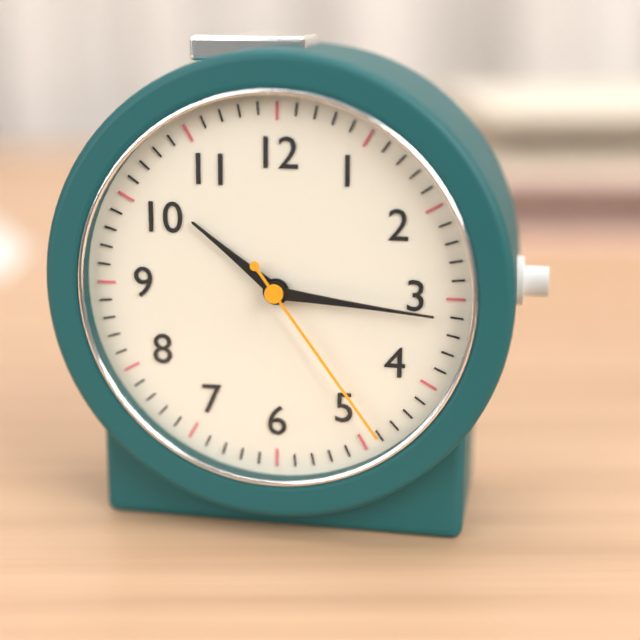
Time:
**10:16:24**
